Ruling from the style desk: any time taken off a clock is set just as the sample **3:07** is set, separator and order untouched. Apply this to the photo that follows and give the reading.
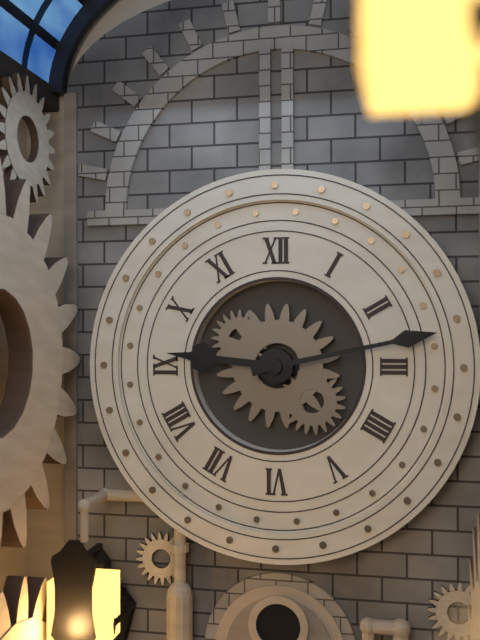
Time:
**9:13**
